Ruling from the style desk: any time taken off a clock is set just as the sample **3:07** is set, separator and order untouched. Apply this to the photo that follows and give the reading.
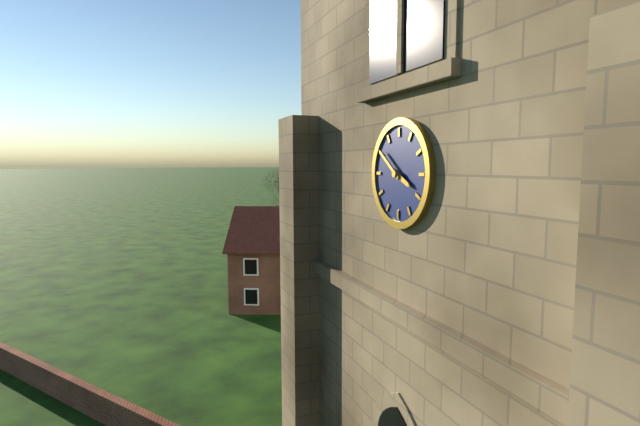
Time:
**3:51**
